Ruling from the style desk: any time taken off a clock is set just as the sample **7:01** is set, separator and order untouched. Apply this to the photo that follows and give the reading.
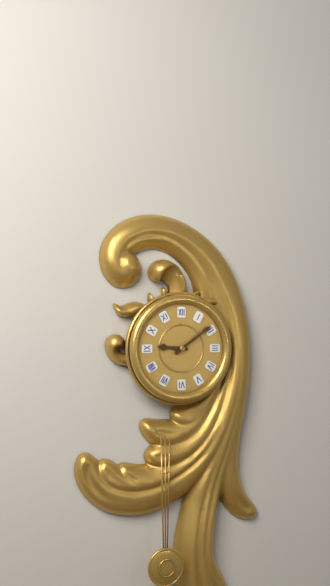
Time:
**9:09**
